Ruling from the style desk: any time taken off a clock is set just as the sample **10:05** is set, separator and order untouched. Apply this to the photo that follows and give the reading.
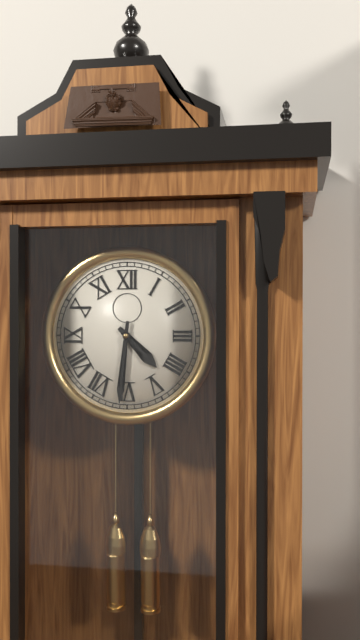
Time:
**4:31**
